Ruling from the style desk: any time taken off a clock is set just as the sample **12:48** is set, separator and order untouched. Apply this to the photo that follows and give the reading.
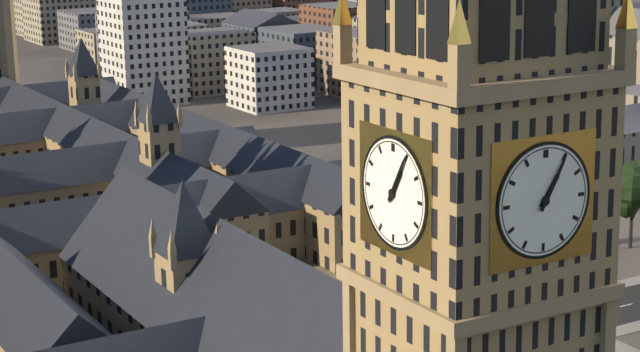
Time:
**1:05**
